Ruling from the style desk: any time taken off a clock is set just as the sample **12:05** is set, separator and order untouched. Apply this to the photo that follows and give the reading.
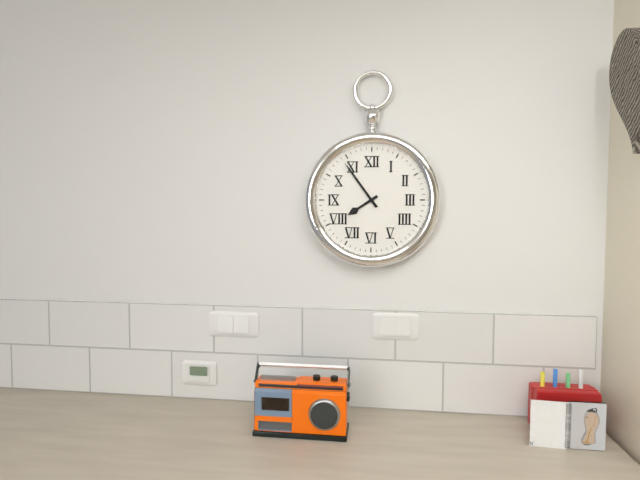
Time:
**7:54**
